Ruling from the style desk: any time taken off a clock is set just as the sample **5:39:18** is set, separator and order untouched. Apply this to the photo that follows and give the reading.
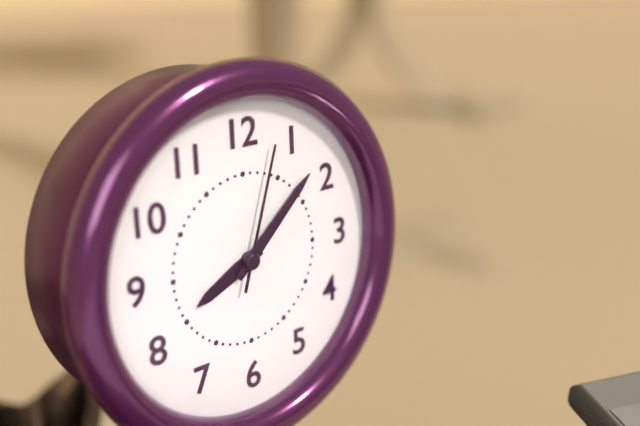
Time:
**8:08:03**
